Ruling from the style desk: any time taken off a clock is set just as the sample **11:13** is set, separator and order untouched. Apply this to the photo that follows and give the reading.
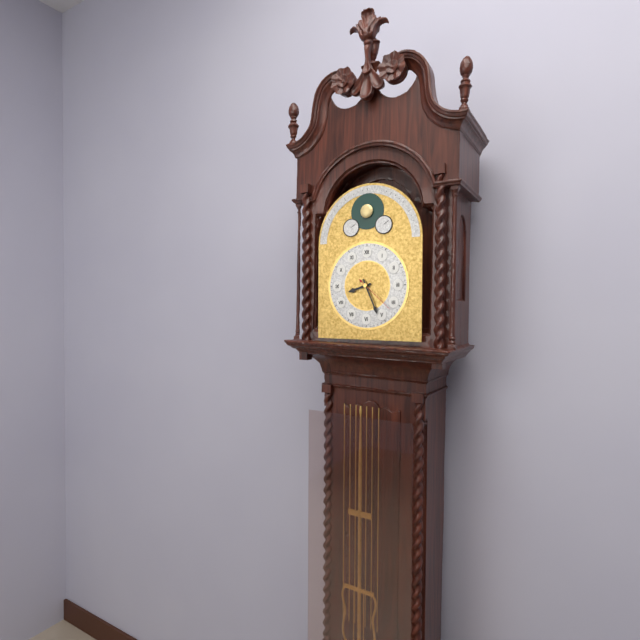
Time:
**8:26**
